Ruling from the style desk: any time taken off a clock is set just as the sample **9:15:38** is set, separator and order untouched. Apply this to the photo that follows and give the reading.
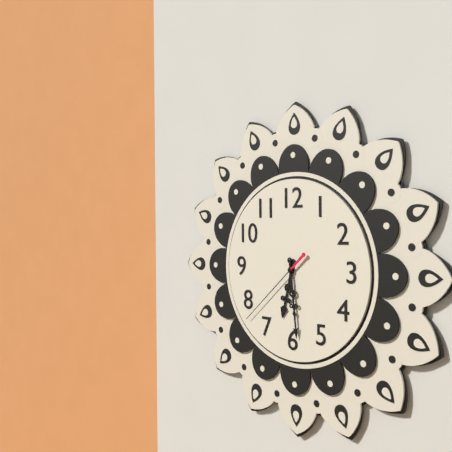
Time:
**6:29:38**
